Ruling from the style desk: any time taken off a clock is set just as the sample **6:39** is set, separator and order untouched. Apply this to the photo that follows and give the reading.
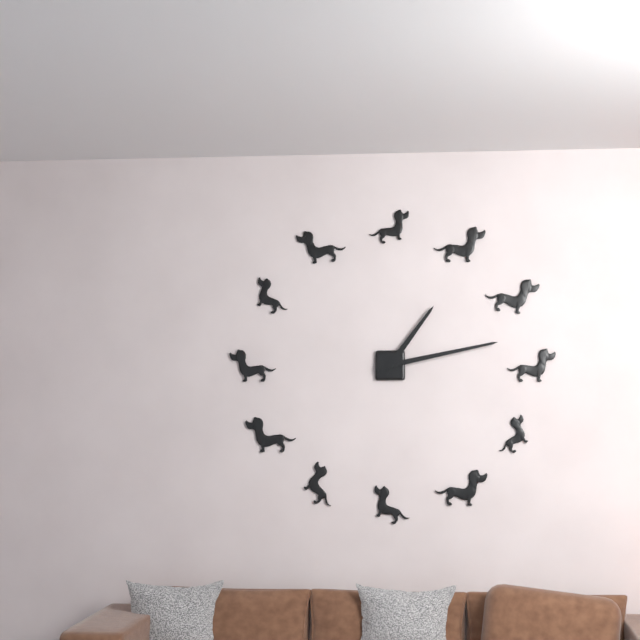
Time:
**1:13**
